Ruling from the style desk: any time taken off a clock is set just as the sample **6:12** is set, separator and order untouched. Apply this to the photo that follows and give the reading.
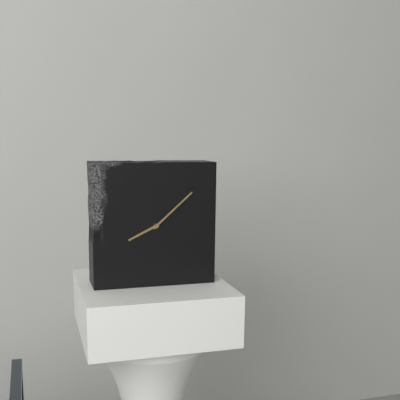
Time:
**8:08**
